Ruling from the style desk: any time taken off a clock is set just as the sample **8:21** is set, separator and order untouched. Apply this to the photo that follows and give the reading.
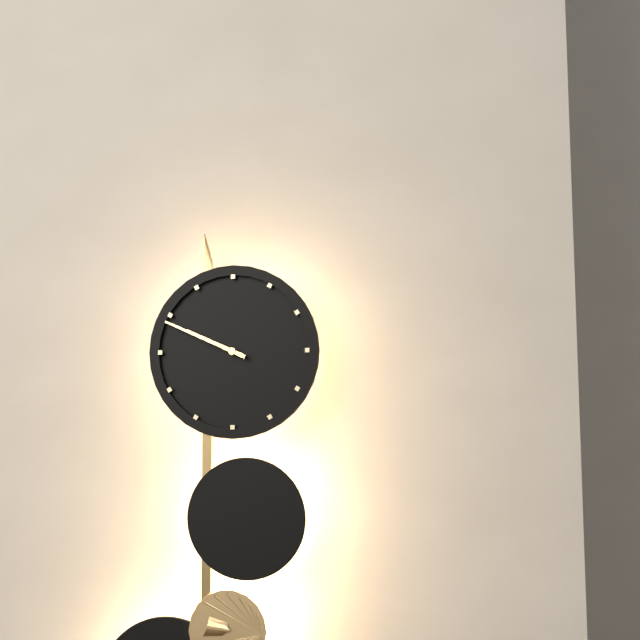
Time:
**9:49**
